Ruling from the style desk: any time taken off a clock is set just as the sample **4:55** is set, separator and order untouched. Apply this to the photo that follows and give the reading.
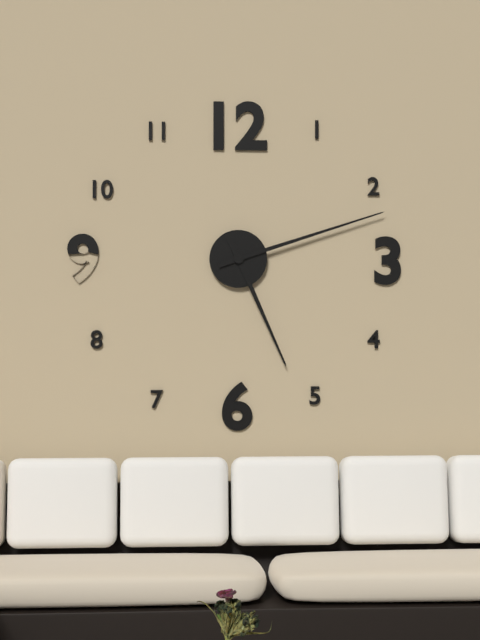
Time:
**5:12**
